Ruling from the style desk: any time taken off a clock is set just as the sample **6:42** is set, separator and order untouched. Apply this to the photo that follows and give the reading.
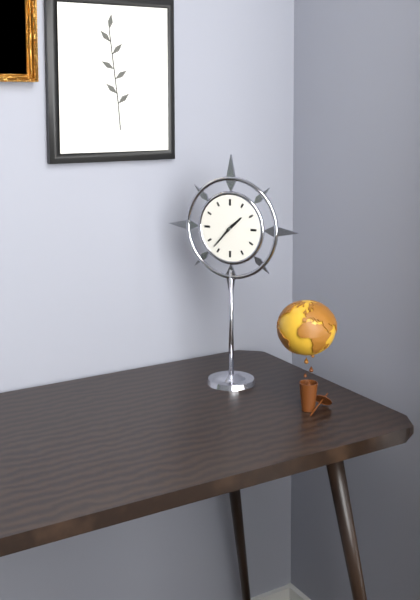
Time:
**1:37**
